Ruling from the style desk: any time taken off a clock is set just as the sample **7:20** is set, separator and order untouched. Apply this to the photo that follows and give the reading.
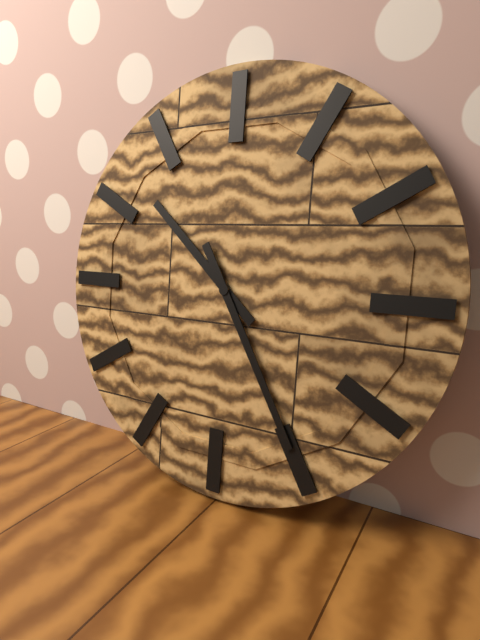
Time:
**10:25**
